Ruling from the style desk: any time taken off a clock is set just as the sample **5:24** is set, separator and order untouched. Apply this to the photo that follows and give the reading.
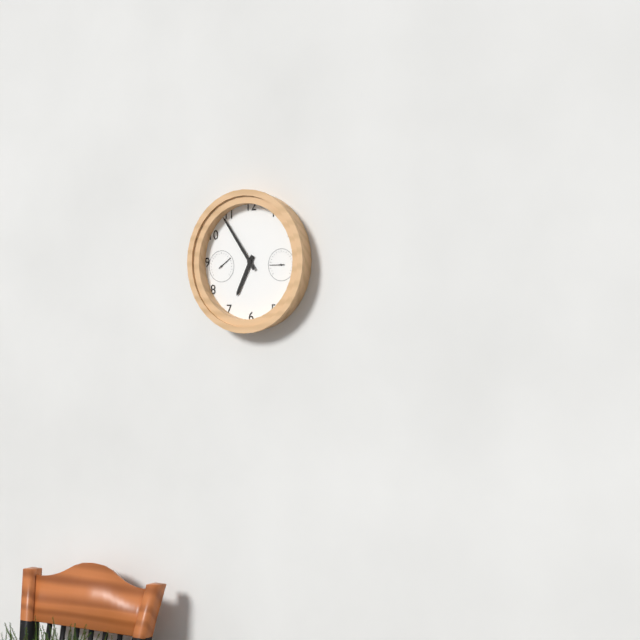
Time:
**6:54**
